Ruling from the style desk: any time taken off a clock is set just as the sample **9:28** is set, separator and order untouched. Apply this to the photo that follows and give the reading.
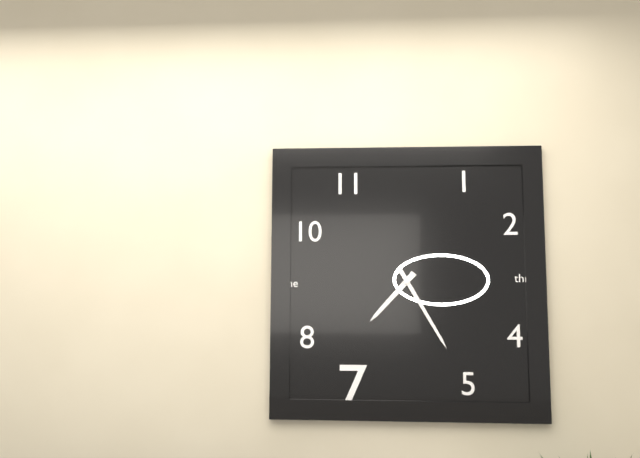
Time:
**7:25**
